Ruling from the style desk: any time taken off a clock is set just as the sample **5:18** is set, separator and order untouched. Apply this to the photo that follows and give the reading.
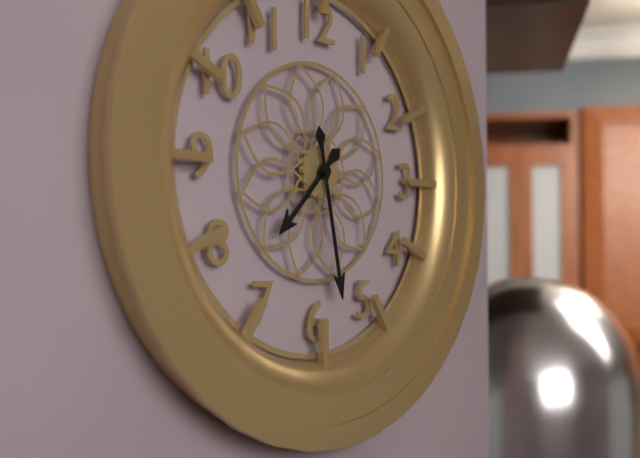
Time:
**7:28**
